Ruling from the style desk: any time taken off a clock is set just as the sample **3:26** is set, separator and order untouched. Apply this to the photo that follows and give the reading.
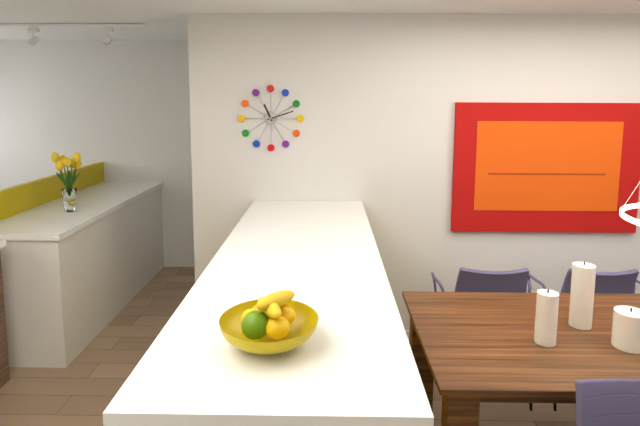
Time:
**11:12**
